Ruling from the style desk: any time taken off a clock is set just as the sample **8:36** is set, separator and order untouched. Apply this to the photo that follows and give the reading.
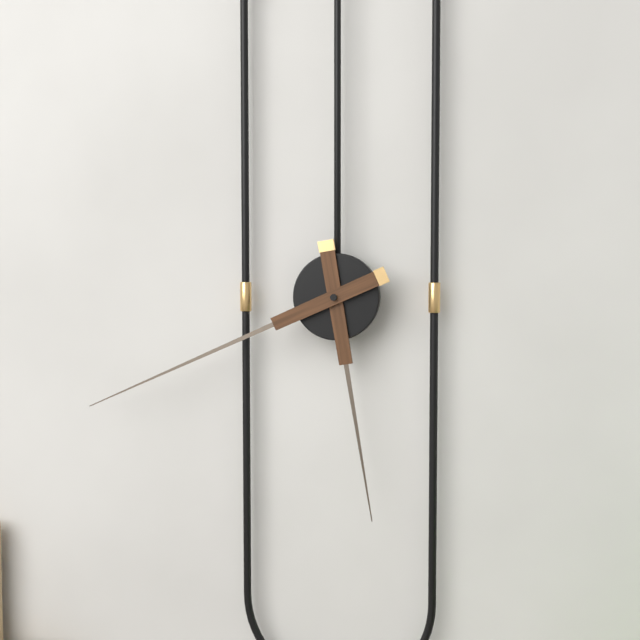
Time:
**5:41**
